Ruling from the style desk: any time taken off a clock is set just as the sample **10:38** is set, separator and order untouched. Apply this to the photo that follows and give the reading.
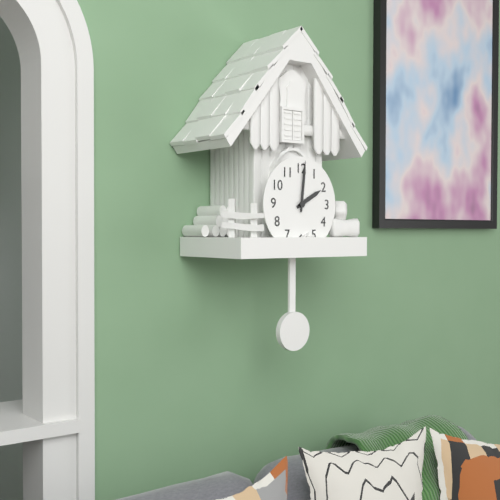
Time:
**2:01**
